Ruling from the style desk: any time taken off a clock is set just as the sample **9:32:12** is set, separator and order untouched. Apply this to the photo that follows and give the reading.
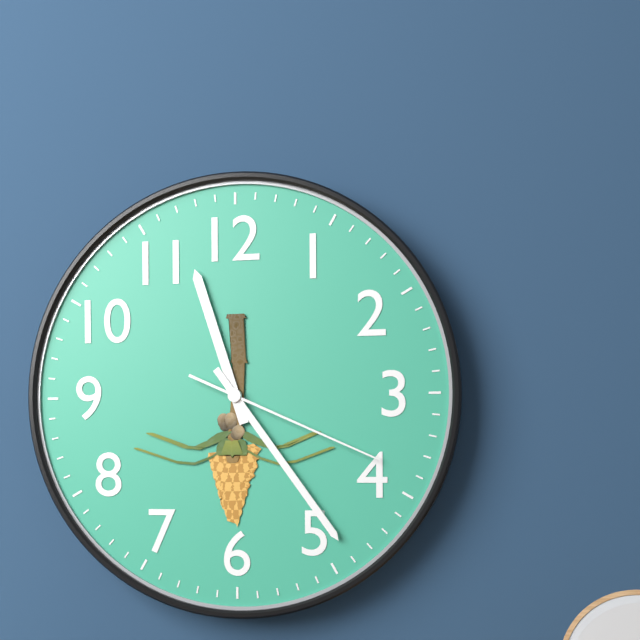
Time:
**11:24:19**
